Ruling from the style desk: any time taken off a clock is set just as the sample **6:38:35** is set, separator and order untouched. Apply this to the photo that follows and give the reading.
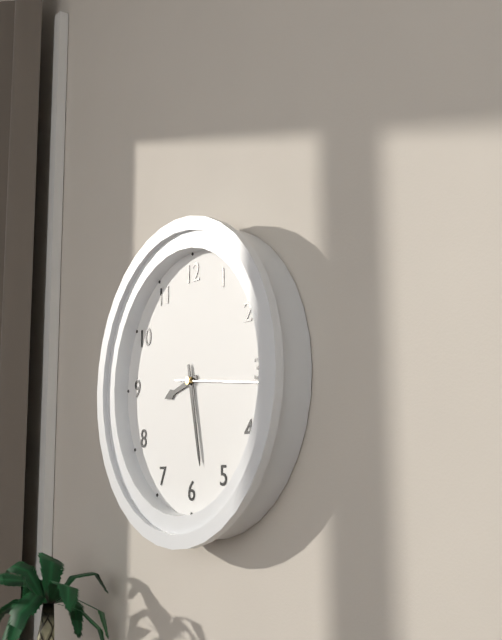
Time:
**8:28:16**
